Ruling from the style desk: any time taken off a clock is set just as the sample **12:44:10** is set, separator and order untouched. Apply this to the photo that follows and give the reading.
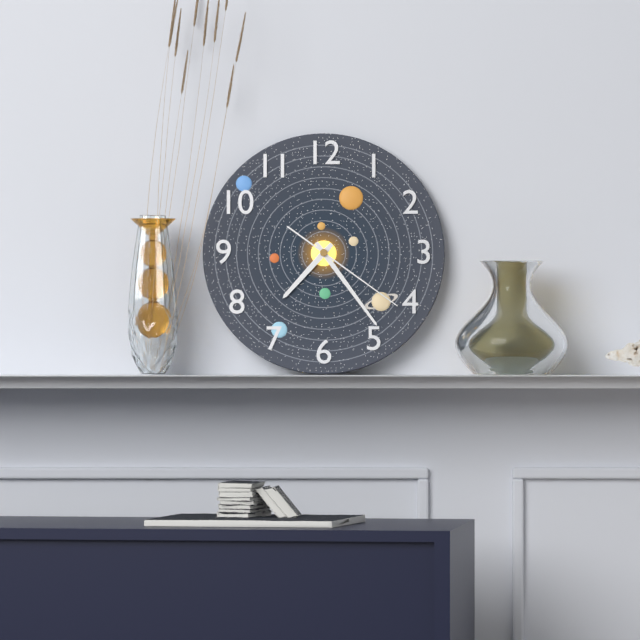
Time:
**7:24:21**
